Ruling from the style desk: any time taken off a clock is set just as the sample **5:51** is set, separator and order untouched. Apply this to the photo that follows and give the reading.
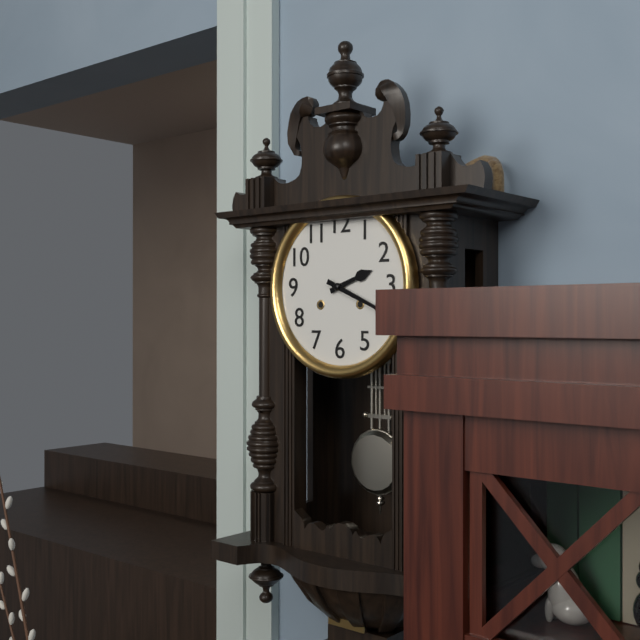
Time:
**2:19**
